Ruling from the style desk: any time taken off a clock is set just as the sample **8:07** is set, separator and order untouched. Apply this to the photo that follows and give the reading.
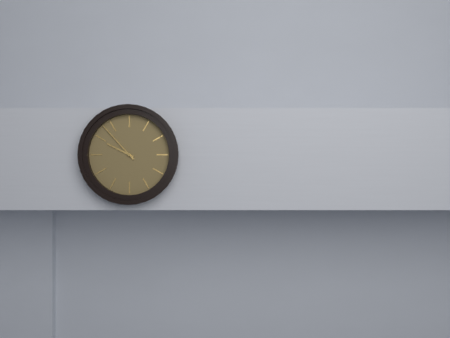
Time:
**9:53**
